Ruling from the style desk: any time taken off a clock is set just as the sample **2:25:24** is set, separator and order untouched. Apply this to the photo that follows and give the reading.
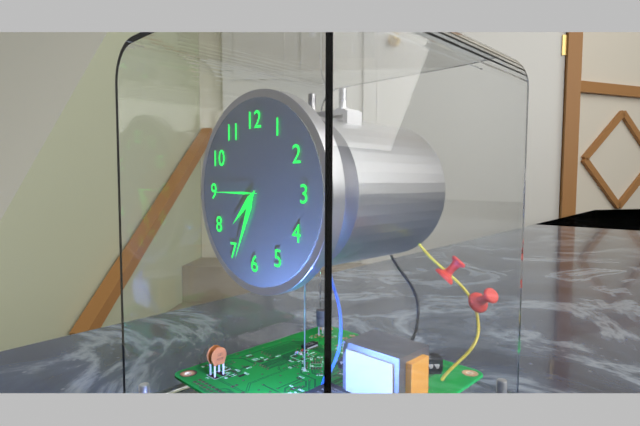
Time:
**7:34:45**
